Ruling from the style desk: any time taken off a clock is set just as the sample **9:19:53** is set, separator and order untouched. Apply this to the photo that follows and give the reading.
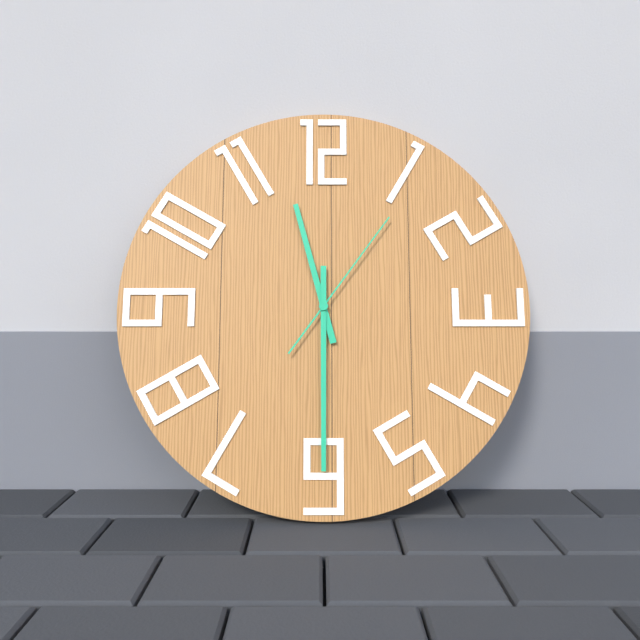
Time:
**11:30:06**
